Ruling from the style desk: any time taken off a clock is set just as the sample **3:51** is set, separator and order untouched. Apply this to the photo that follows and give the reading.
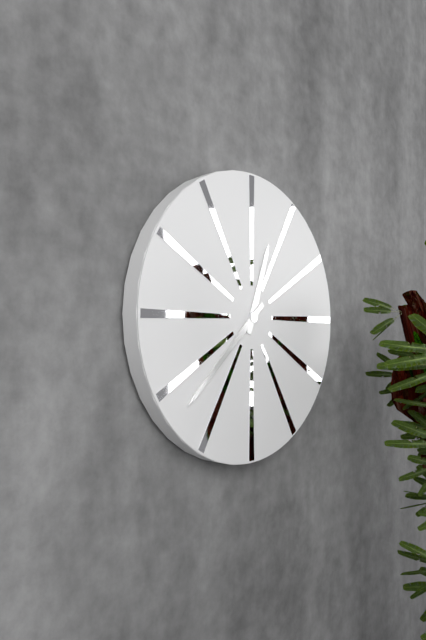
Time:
**12:38**
